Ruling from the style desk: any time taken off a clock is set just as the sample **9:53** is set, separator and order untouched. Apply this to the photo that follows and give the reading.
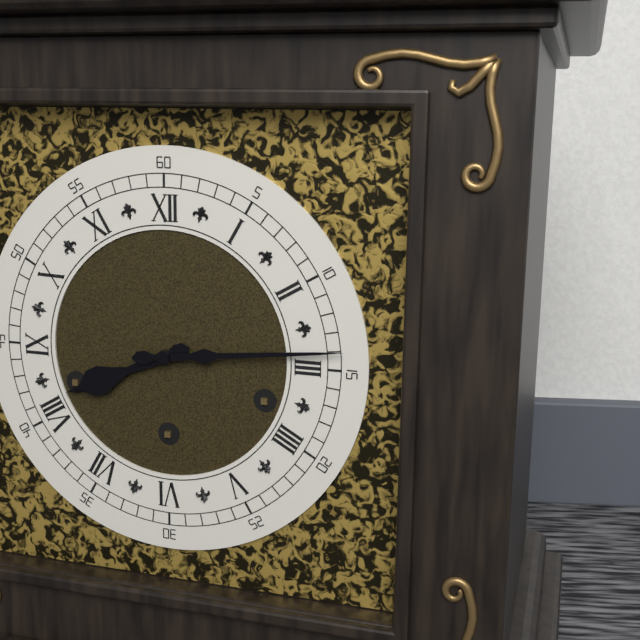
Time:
**8:14**
